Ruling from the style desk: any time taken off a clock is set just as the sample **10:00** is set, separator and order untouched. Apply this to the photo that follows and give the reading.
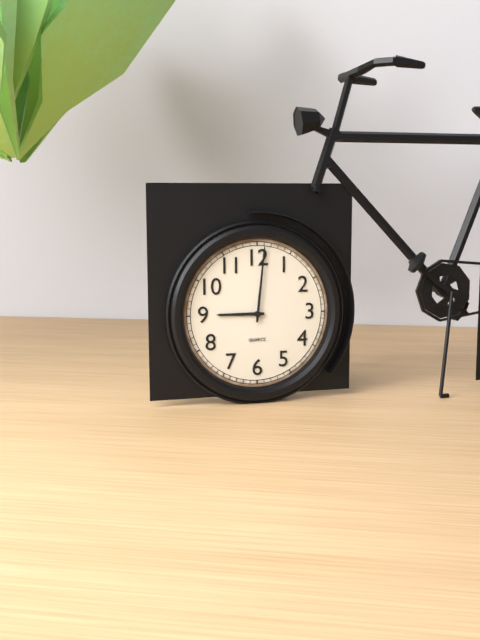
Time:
**9:01**
